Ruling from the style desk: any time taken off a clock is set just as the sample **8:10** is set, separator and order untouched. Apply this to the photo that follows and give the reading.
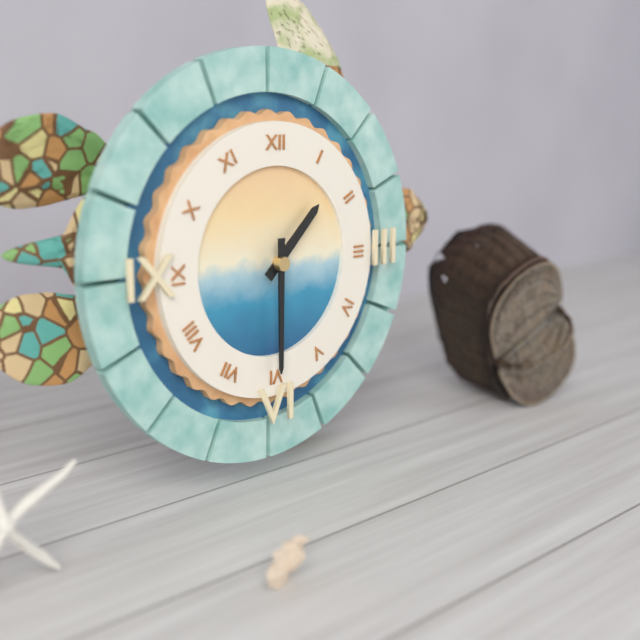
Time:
**1:30**
